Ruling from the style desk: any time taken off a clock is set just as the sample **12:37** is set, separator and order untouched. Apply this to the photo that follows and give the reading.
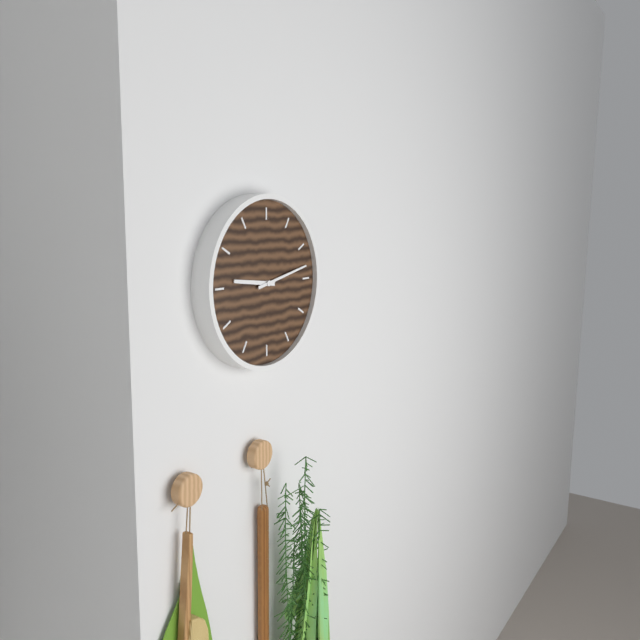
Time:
**9:13**
